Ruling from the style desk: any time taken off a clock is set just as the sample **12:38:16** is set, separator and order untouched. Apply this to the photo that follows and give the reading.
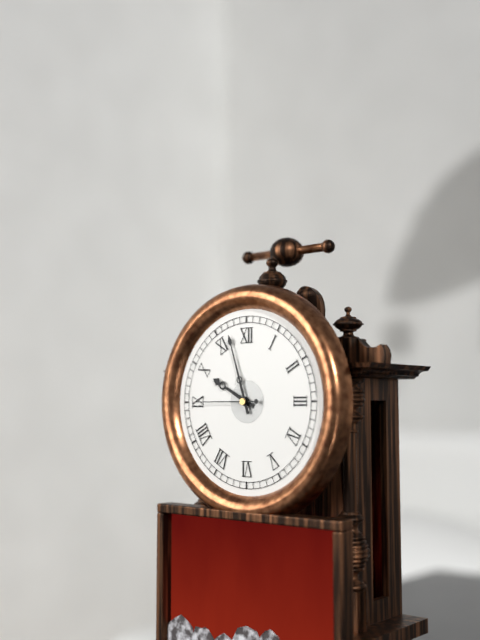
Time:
**9:57:45**
